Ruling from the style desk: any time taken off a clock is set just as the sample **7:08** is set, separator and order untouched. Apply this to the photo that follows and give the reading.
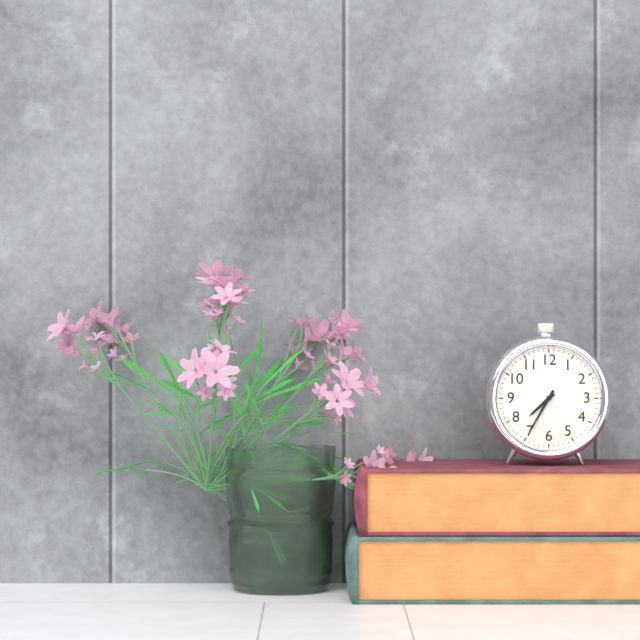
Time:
**7:35**
